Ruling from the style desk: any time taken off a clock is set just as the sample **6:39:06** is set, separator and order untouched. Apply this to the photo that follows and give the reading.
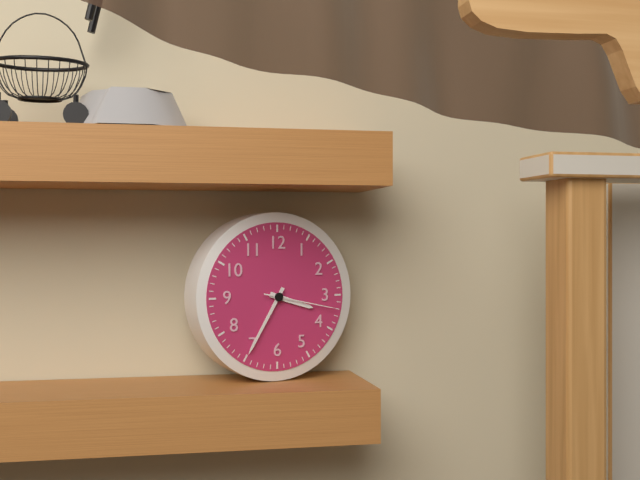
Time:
**3:35:17**
